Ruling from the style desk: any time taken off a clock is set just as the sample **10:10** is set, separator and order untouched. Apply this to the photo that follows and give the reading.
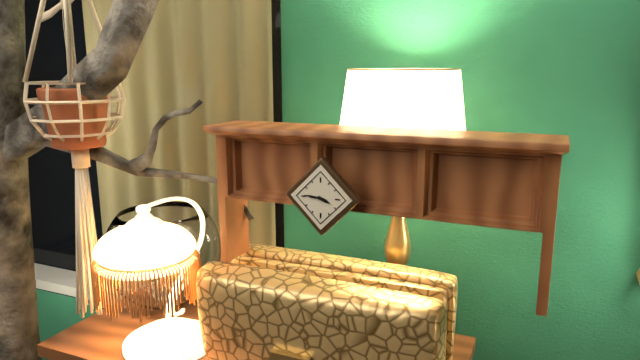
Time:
**3:46**
